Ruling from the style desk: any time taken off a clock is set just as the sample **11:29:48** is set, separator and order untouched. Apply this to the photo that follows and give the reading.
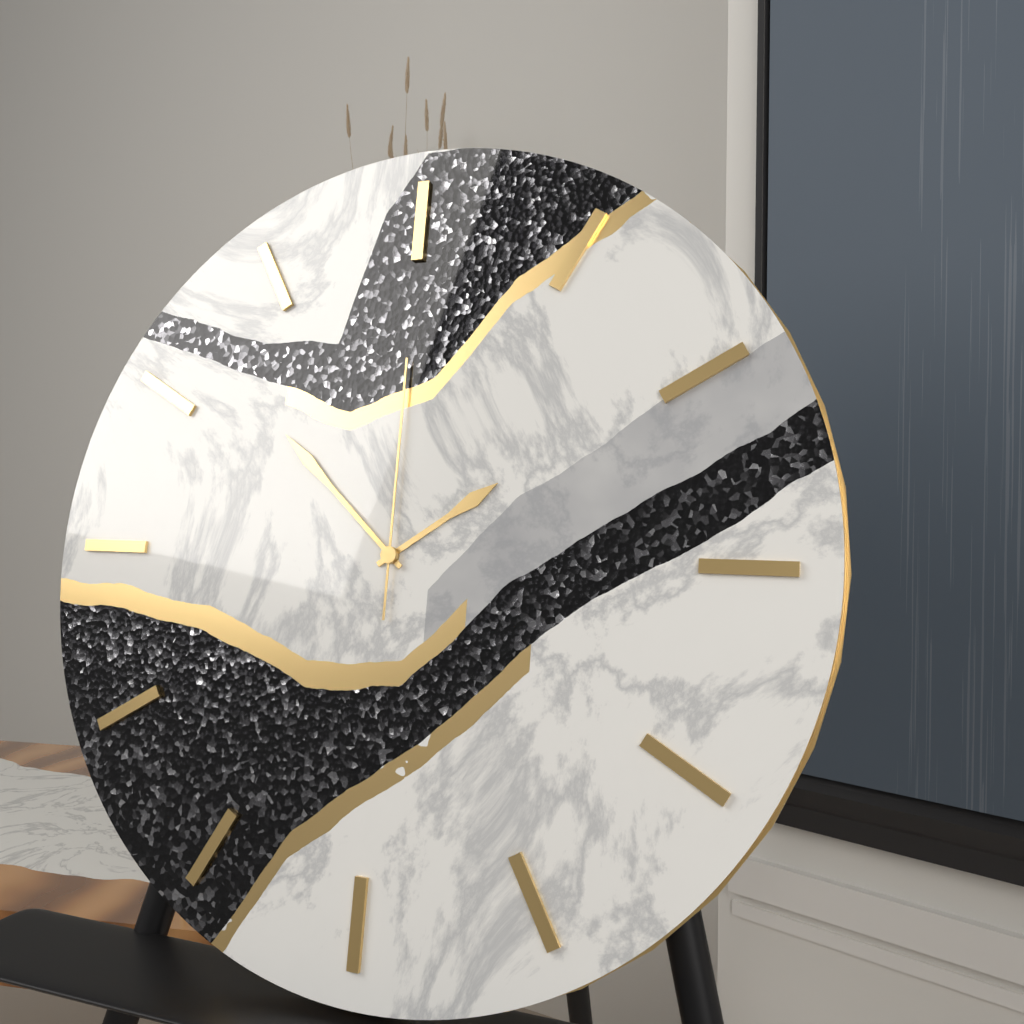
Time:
**1:52:00**
